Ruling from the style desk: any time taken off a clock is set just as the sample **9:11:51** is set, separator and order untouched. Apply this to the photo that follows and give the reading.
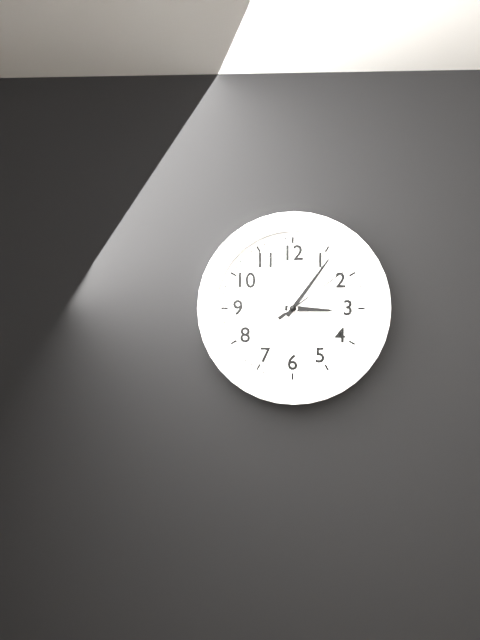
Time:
**3:06:09**
